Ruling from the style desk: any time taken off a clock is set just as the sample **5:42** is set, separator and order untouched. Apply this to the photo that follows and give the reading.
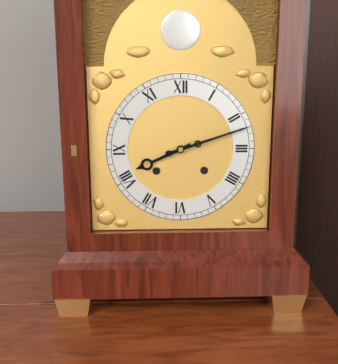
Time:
**8:12**
